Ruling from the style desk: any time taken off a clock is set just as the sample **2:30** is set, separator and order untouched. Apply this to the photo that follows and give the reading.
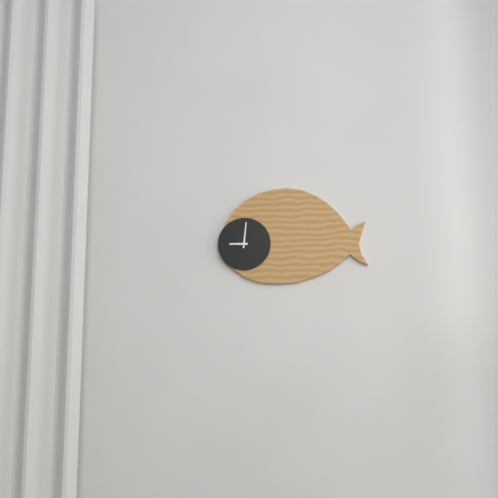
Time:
**9:01**
